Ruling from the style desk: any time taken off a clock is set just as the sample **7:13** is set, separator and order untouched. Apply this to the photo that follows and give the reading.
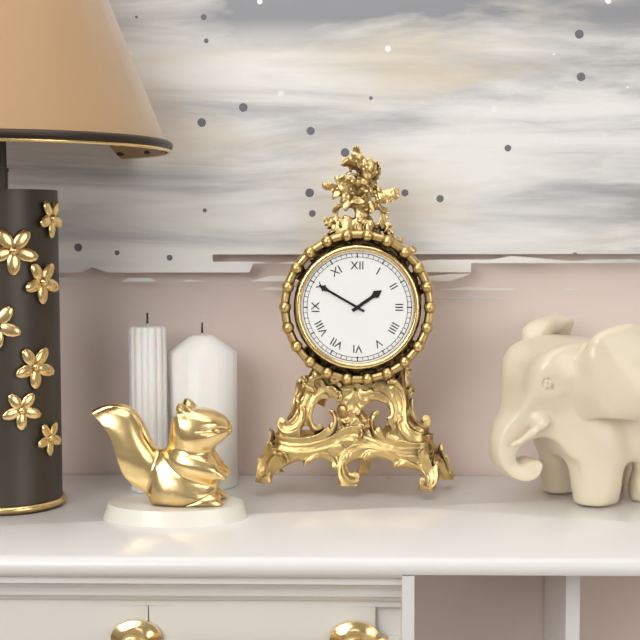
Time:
**1:50**
